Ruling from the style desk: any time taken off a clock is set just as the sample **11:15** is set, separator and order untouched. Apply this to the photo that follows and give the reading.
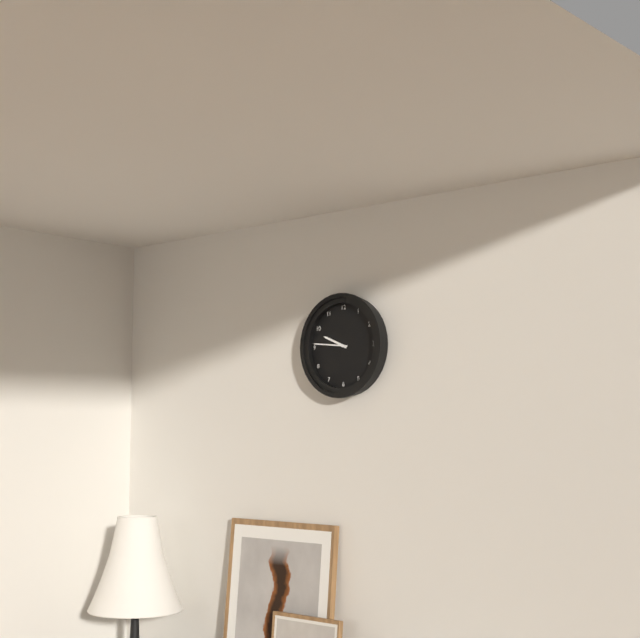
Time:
**9:46**
